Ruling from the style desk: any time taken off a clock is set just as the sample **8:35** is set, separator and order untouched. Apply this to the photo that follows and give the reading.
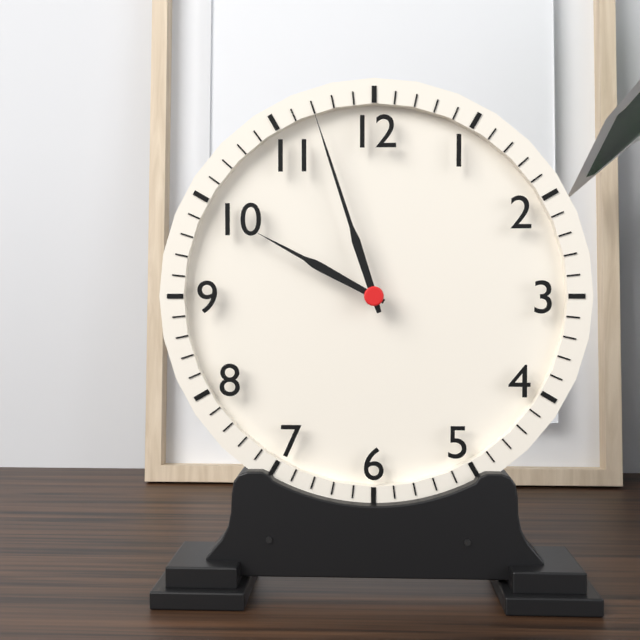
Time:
**9:57**
